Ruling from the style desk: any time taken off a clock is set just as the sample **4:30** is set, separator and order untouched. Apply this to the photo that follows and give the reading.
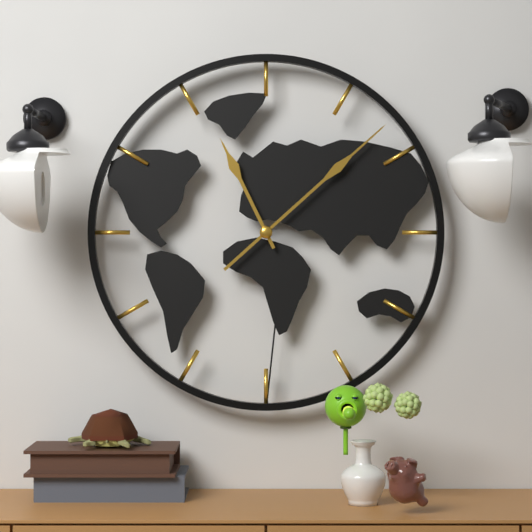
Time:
**11:08**
